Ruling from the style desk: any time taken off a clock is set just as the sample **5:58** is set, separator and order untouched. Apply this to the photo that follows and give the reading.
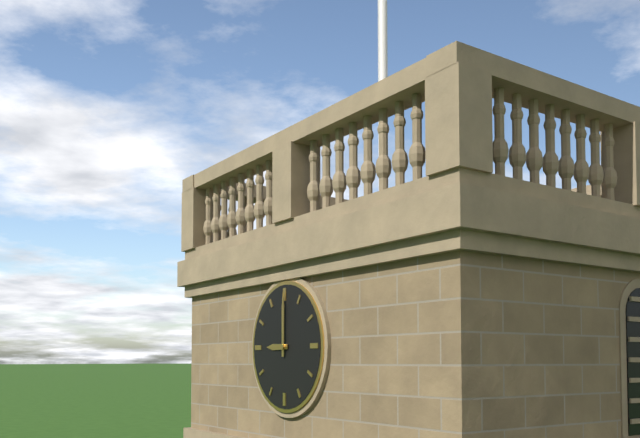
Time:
**9:00**
